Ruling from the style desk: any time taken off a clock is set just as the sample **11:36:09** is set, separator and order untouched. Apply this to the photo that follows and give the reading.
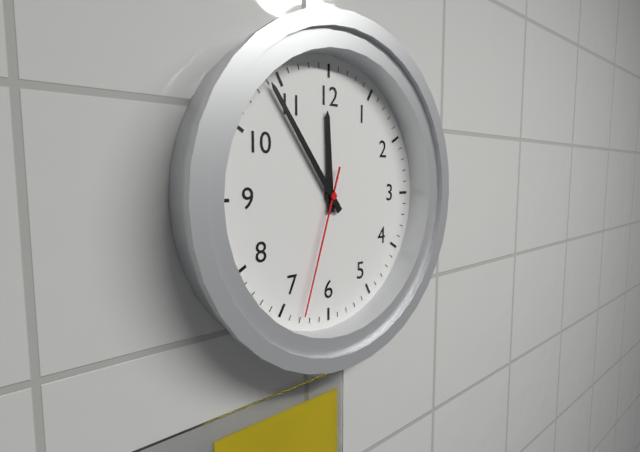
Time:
**11:54:33**
